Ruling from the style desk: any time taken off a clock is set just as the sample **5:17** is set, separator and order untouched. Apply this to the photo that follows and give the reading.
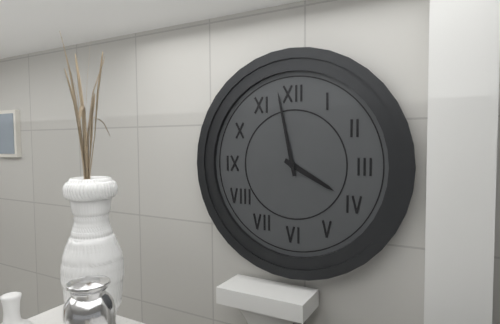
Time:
**3:58**
